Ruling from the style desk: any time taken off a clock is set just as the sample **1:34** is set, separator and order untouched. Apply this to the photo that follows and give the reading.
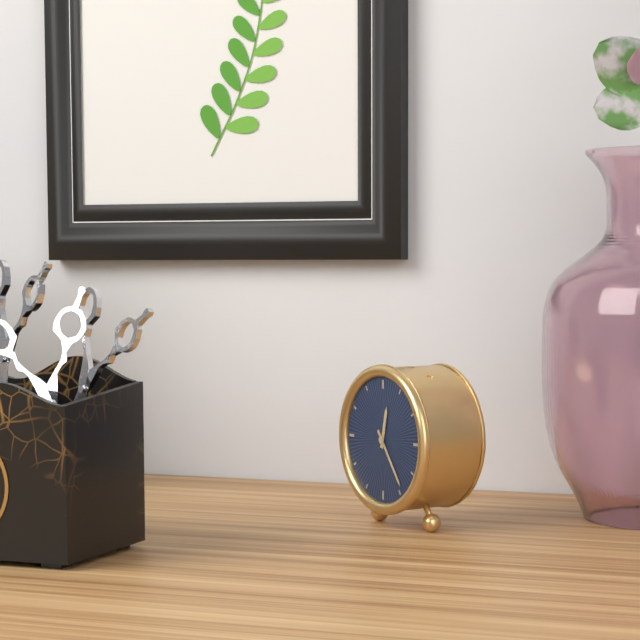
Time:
**12:24**
